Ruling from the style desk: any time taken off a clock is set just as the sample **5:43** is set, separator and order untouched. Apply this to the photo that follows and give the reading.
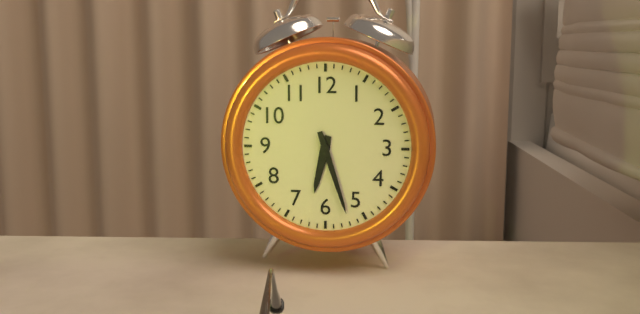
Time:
**6:27**
